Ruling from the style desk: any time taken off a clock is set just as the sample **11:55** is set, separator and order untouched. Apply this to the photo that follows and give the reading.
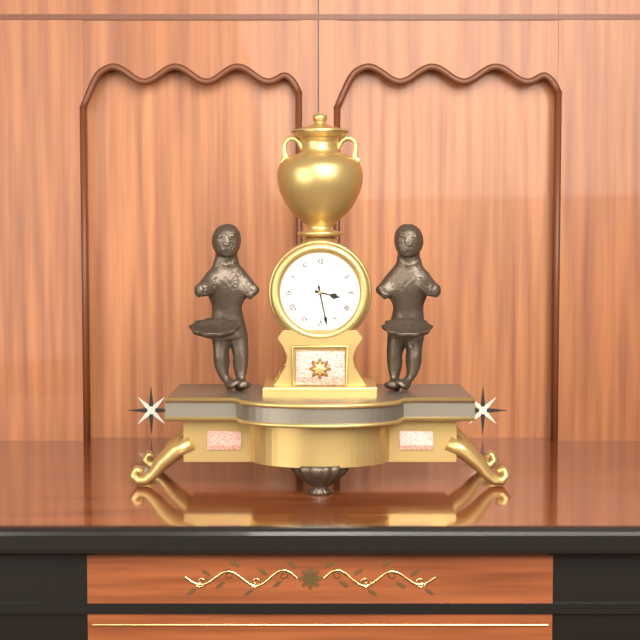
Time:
**3:28**
